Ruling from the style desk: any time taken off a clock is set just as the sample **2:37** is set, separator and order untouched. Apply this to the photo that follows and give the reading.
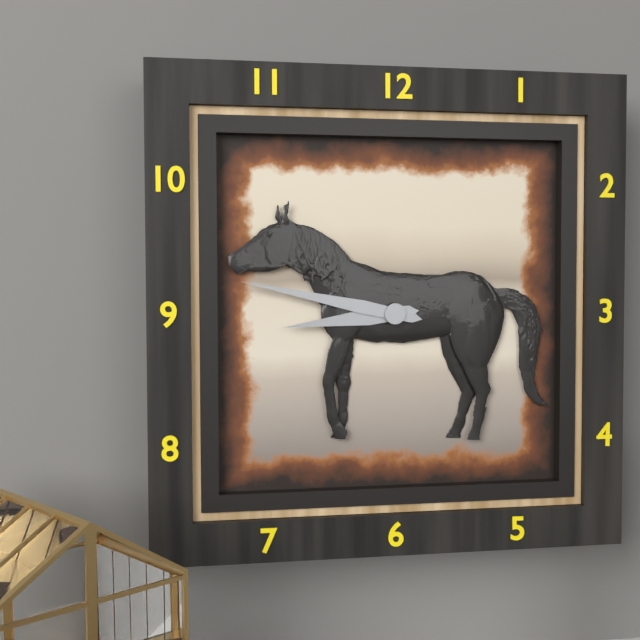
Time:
**8:47**
